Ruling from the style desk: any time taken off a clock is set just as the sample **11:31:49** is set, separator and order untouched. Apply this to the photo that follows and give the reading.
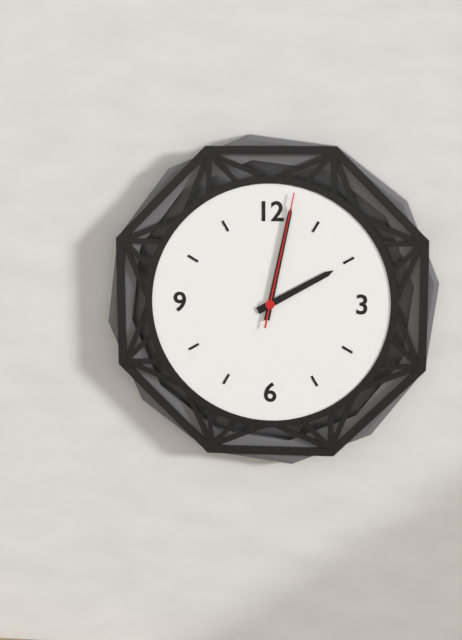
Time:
**2:02:02**
